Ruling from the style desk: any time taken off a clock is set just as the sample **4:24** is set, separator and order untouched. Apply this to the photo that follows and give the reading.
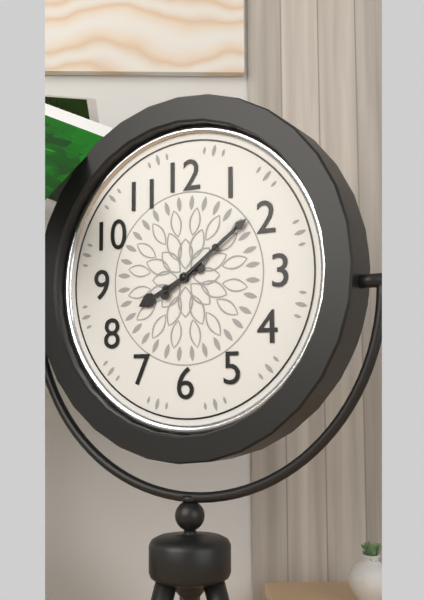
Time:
**8:09**
